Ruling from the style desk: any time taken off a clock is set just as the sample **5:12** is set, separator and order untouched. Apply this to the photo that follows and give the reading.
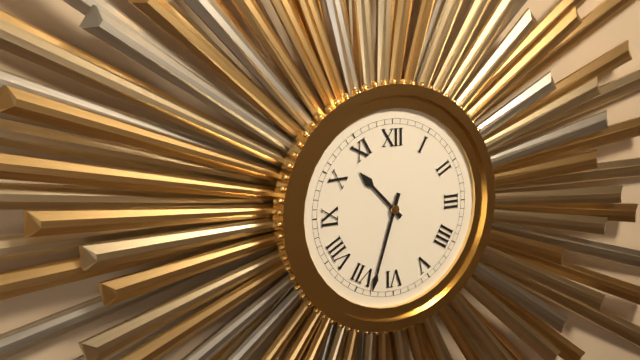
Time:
**10:33**
